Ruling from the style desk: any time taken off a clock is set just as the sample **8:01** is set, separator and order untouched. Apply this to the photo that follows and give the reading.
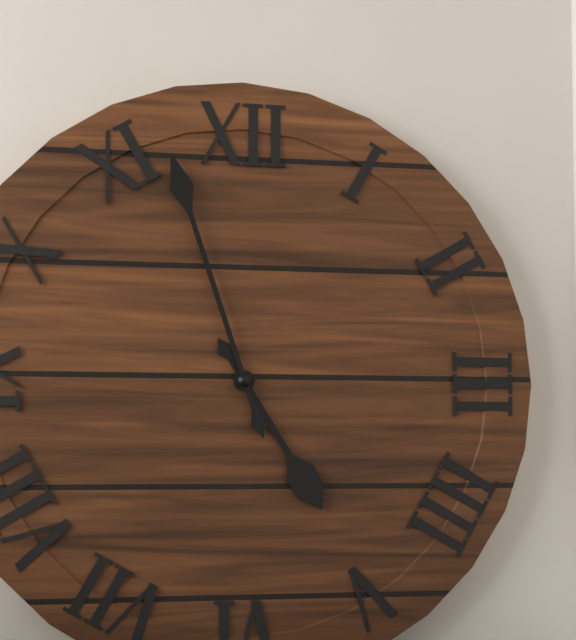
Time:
**4:57**
